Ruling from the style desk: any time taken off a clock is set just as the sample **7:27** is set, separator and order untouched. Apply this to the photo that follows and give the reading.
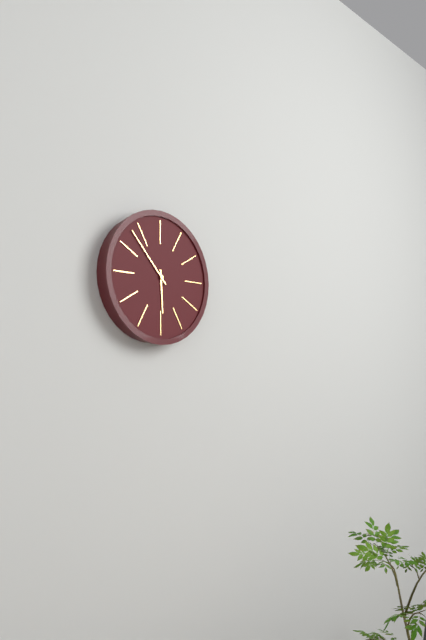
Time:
**5:53**
